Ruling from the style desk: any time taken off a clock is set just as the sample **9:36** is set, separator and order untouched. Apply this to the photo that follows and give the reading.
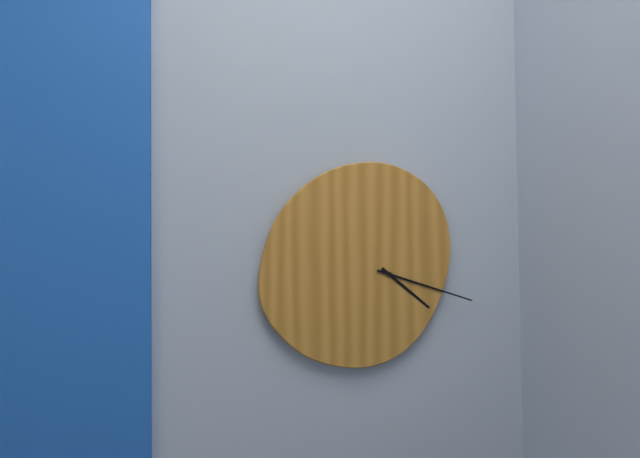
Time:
**4:18**
